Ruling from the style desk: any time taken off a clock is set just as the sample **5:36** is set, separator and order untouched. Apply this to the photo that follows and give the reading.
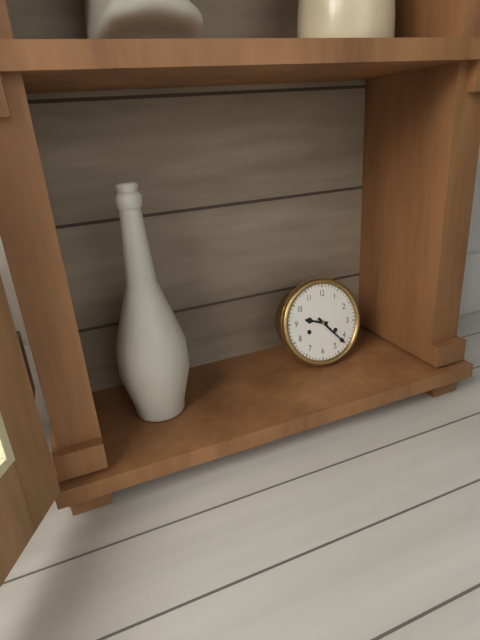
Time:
**9:22**
